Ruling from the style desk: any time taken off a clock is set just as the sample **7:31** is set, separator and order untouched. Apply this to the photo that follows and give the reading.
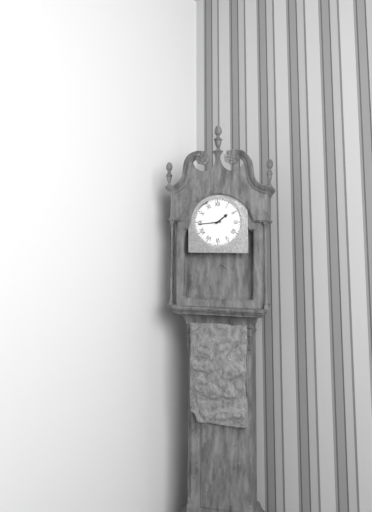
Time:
**1:44**
